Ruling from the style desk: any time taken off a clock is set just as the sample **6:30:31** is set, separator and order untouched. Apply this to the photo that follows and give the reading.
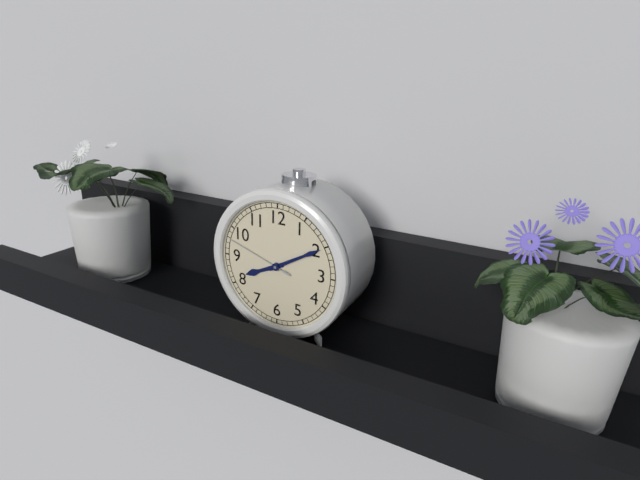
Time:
**8:10:48**
